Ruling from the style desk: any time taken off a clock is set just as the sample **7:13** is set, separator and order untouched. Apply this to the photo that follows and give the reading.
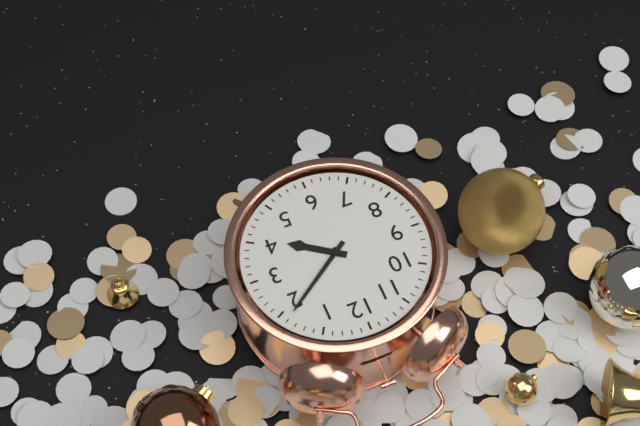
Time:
**4:09**
